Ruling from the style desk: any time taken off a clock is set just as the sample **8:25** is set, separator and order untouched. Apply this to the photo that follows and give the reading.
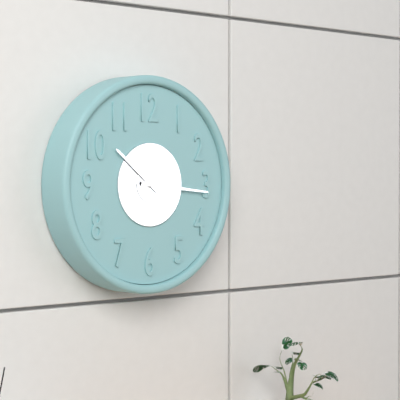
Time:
**10:16**
